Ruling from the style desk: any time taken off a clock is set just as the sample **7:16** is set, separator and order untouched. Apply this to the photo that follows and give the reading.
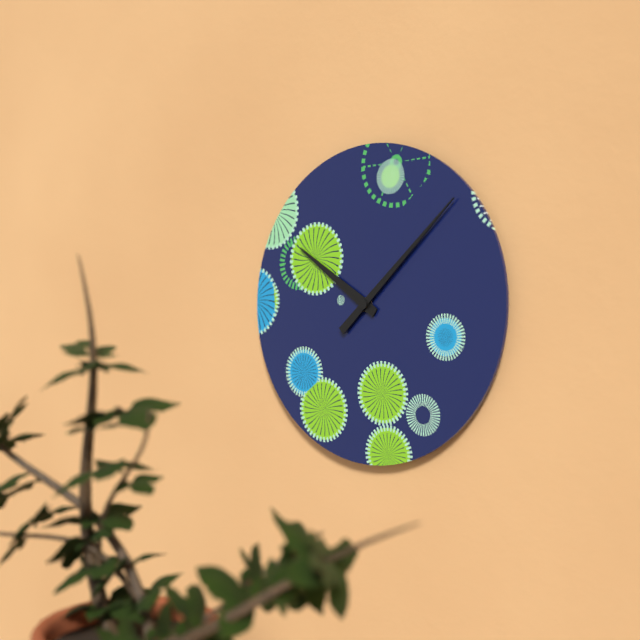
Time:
**10:08**
